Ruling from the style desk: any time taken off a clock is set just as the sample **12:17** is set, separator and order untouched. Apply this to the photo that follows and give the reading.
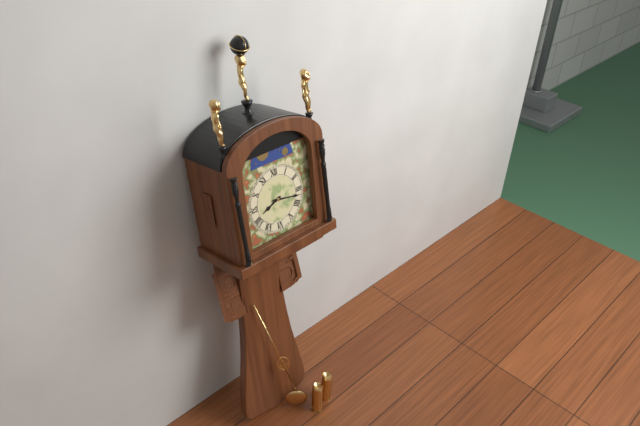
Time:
**8:17**
